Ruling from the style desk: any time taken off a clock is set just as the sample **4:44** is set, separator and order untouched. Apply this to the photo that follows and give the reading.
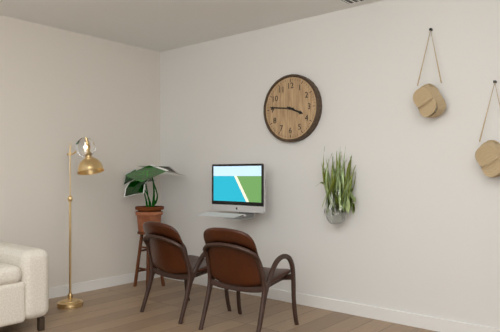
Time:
**3:46**
